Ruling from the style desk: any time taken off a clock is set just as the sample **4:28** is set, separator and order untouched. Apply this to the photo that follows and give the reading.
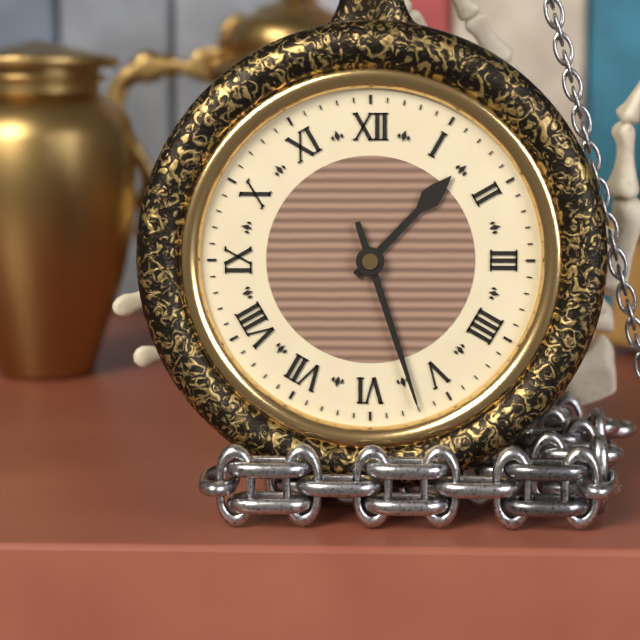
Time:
**1:27**
